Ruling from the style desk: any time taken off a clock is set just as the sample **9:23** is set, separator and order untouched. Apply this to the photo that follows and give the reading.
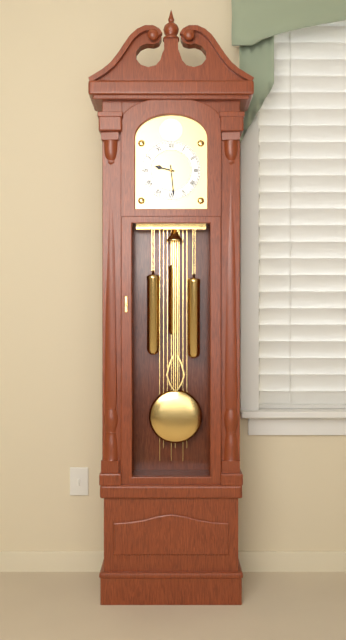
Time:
**9:29**
